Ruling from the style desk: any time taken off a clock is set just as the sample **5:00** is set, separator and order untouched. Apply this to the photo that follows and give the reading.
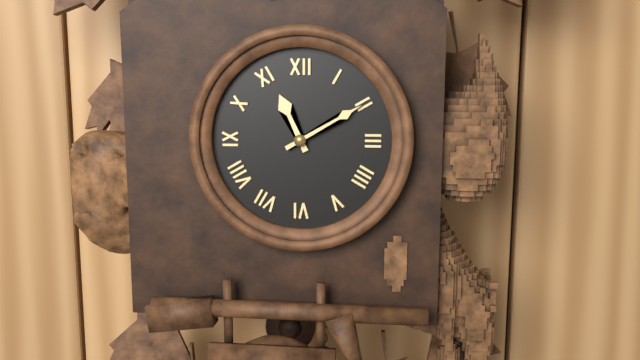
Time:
**11:10**
